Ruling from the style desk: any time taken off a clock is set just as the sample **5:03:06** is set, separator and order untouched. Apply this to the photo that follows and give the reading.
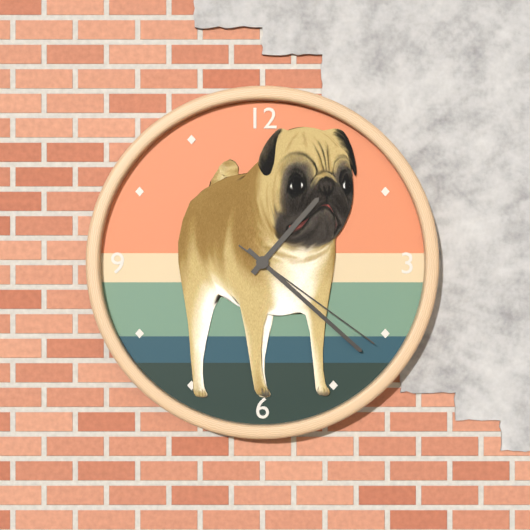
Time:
**1:22:21**
